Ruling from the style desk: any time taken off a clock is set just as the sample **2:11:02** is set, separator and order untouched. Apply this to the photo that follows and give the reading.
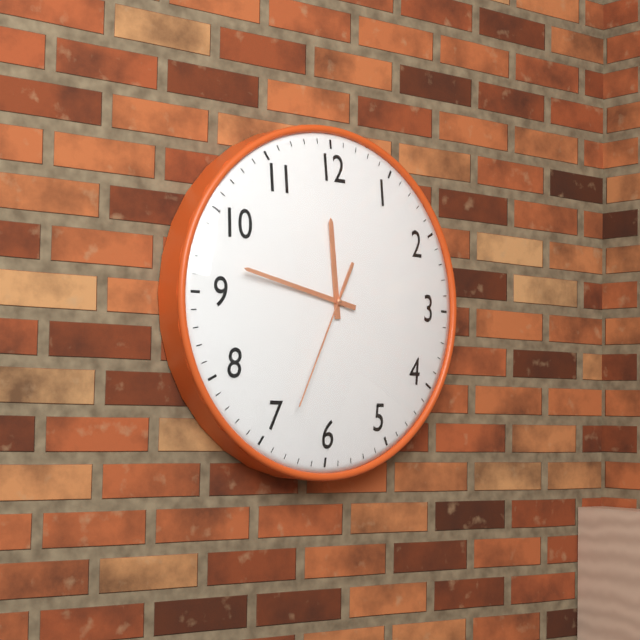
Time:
**11:47:34**
